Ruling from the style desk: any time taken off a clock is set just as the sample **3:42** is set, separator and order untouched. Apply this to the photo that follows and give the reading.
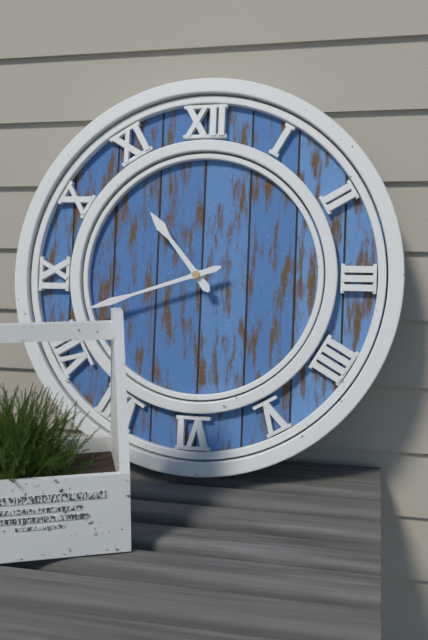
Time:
**10:42**
